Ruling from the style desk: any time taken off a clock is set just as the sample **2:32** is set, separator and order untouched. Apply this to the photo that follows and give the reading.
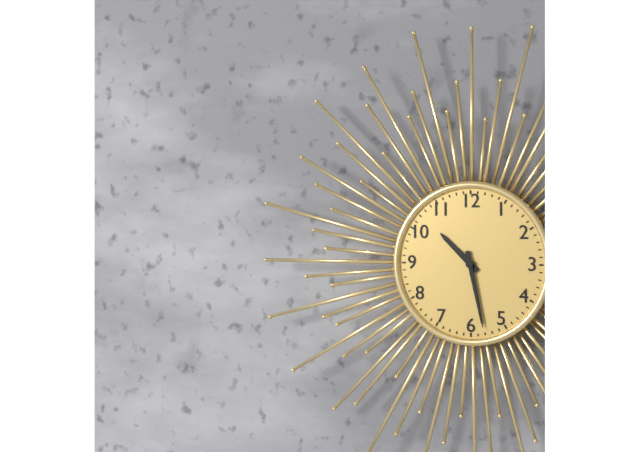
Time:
**10:28**
